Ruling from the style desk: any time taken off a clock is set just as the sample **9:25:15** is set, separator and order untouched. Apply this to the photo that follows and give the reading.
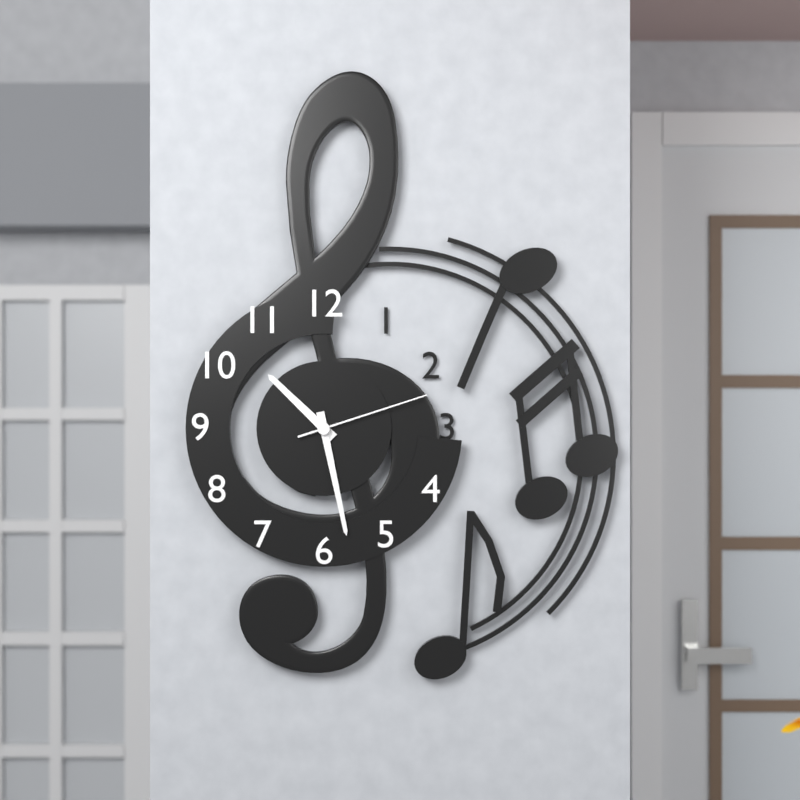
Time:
**10:28:12**
